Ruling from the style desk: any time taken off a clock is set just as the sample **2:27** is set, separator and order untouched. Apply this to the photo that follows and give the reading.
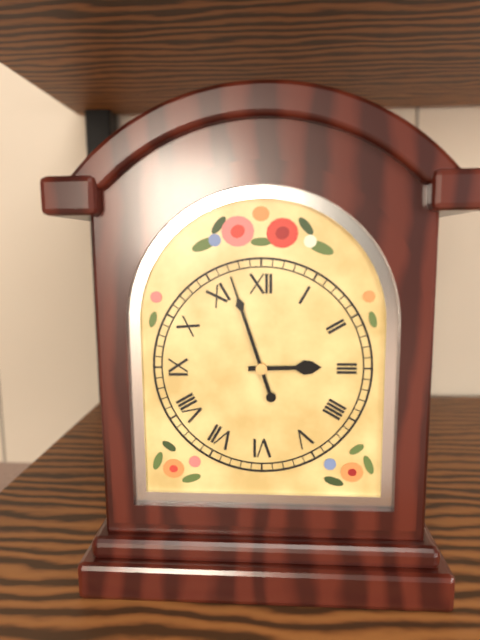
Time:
**2:57**
